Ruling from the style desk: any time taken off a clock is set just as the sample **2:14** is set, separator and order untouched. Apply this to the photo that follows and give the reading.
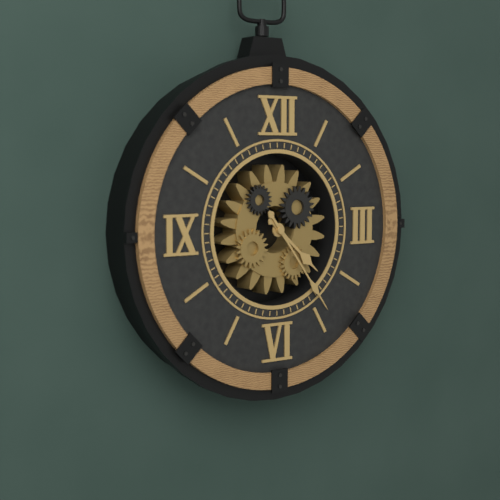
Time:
**4:24**
